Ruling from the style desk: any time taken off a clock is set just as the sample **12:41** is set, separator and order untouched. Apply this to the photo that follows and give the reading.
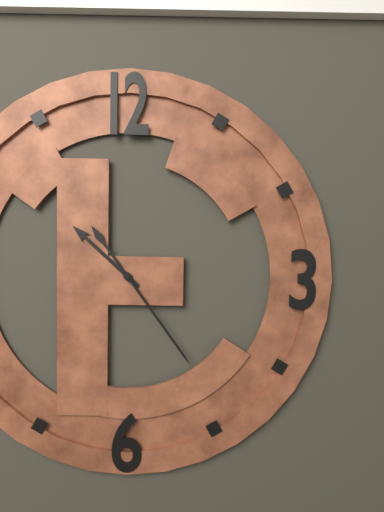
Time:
**10:24**
